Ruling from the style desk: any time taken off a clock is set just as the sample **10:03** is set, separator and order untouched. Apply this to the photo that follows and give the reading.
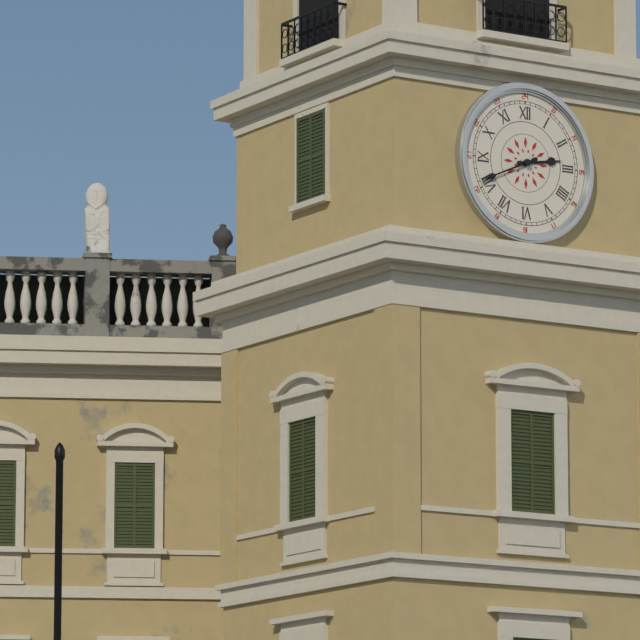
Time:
**2:41**
